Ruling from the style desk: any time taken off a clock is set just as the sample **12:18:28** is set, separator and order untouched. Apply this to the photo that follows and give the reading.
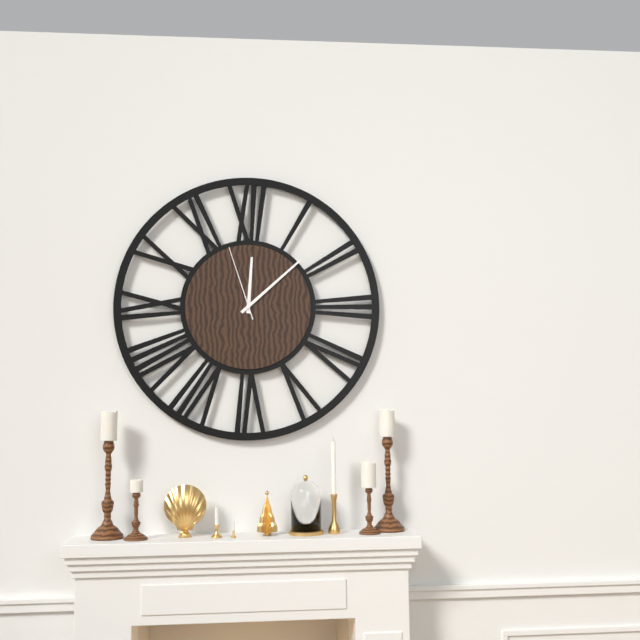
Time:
**12:08:57**
